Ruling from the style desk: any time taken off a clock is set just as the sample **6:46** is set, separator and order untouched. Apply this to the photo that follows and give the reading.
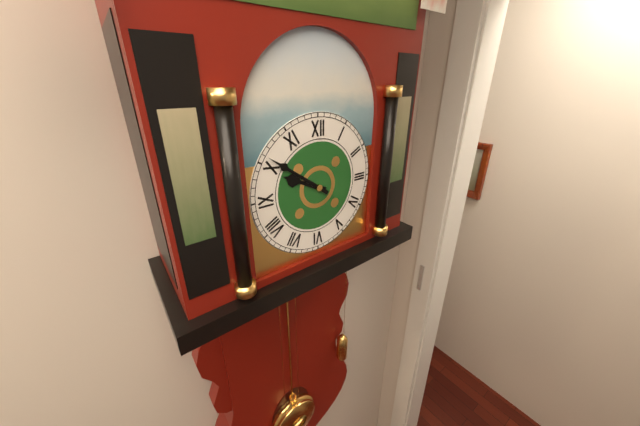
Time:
**9:51**
